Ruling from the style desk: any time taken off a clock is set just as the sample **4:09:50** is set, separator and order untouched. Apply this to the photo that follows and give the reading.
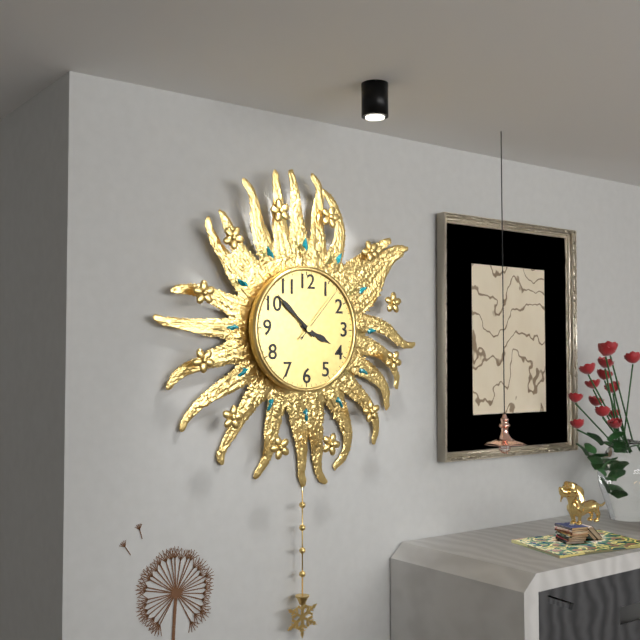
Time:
**3:52:07**
